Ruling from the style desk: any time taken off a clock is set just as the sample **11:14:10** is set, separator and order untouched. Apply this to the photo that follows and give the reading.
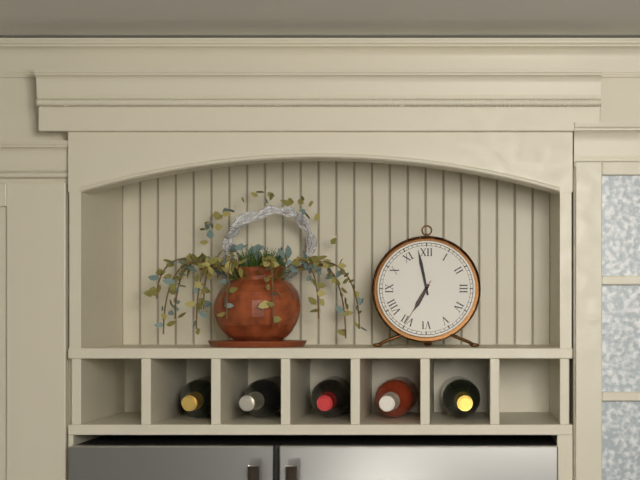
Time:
**6:58:35**
